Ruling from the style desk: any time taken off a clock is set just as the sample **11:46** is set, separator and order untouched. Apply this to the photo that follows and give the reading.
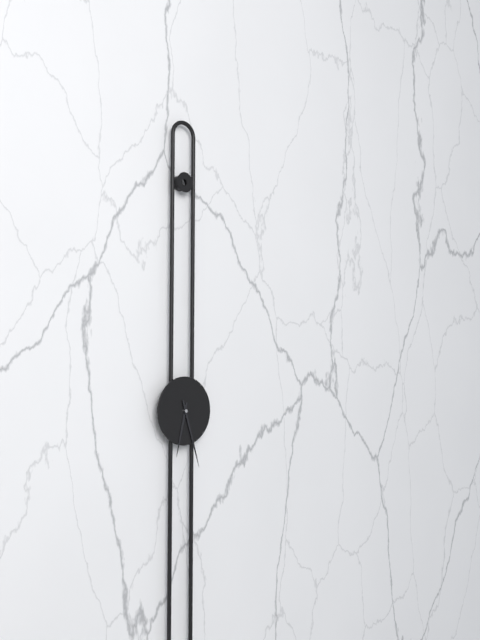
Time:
**6:27**
